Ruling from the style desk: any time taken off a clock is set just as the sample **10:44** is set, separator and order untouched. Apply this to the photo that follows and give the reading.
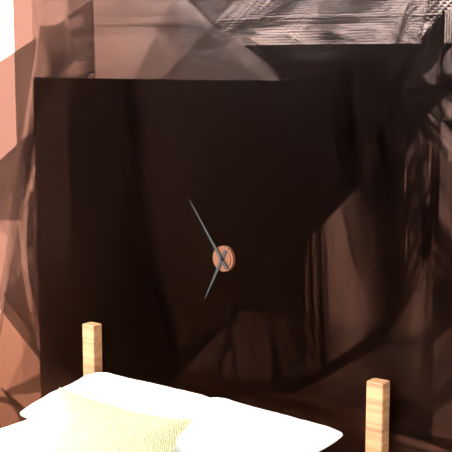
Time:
**6:54**
